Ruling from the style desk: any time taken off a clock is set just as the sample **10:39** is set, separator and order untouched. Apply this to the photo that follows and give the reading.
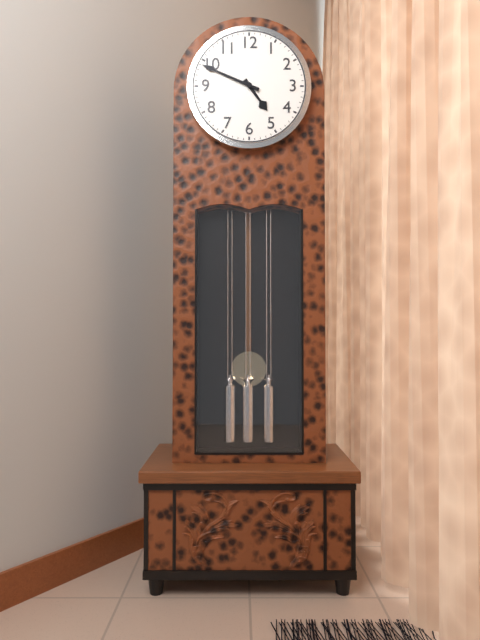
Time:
**4:49**
